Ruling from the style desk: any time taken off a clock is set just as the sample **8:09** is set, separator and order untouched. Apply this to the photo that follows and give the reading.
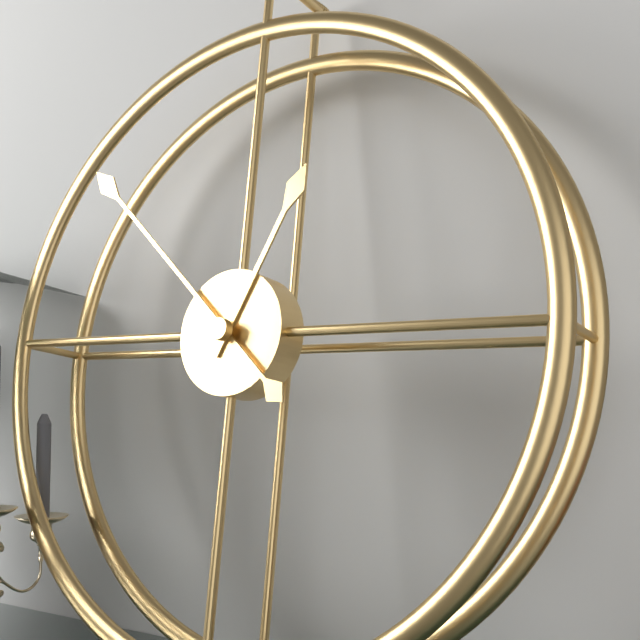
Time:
**12:52**
